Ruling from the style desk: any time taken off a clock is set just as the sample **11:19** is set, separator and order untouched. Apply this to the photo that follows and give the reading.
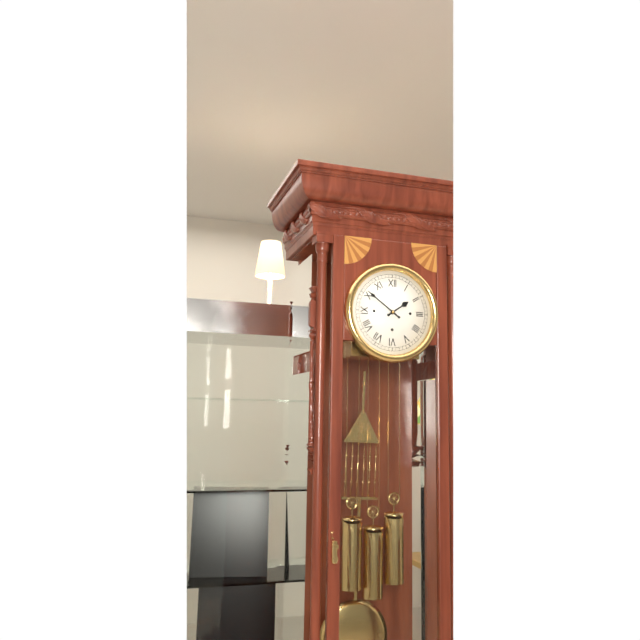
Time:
**1:51**
